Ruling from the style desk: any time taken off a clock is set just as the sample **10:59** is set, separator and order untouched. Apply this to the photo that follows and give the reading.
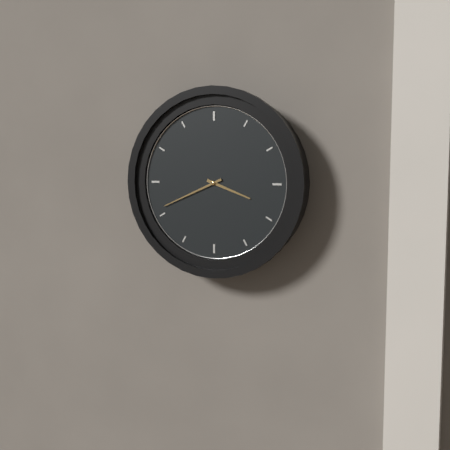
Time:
**3:41**
